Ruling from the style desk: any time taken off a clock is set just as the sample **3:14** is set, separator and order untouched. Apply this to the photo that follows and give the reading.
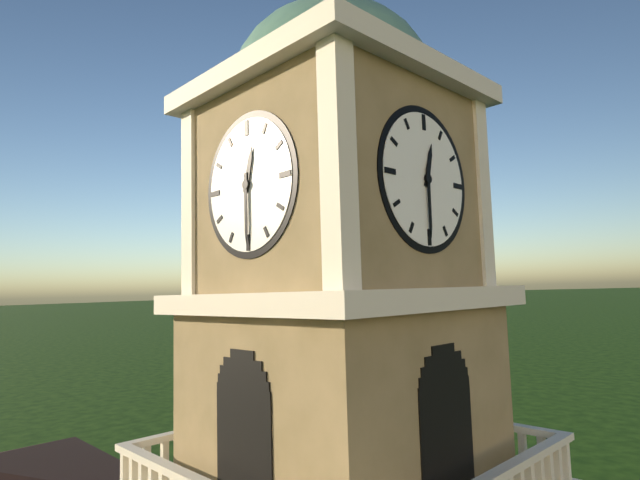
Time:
**12:30**
